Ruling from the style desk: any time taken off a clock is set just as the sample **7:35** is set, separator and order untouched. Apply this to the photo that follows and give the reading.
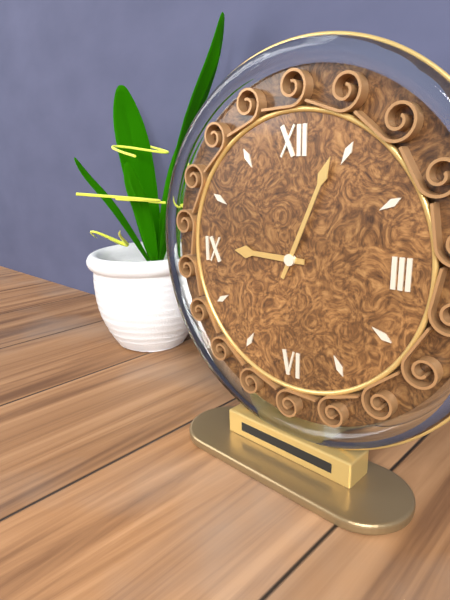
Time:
**9:04**
